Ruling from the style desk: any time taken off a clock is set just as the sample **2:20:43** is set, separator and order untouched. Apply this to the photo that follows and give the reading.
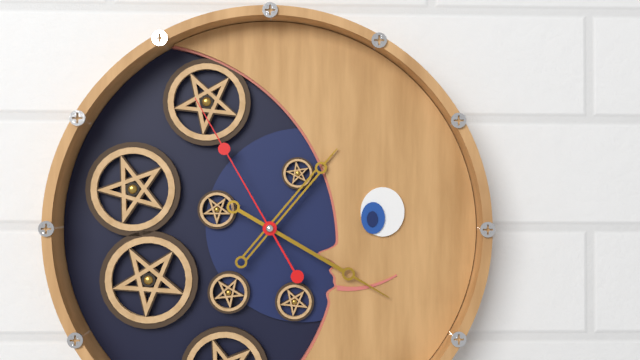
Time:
**1:20:55**
